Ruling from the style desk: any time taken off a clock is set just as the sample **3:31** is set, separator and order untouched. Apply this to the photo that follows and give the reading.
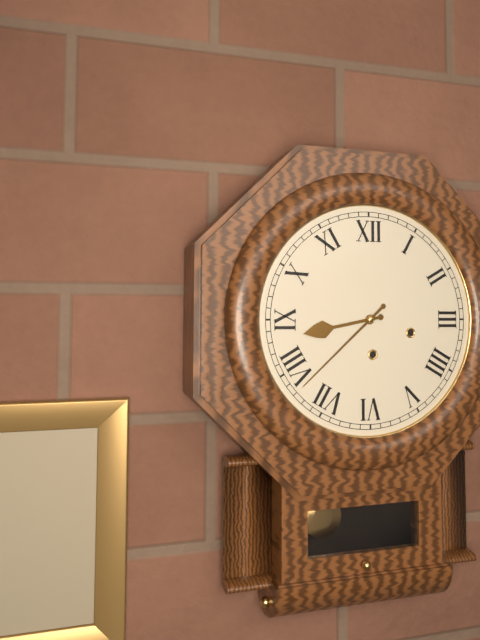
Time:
**8:38**
